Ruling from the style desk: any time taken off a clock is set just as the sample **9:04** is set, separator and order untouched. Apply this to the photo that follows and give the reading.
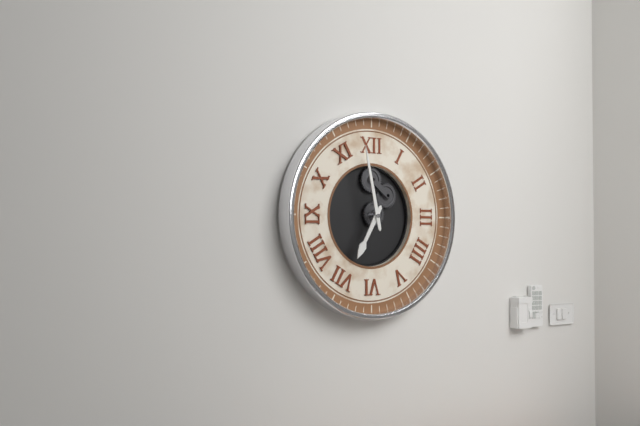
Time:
**6:58**
